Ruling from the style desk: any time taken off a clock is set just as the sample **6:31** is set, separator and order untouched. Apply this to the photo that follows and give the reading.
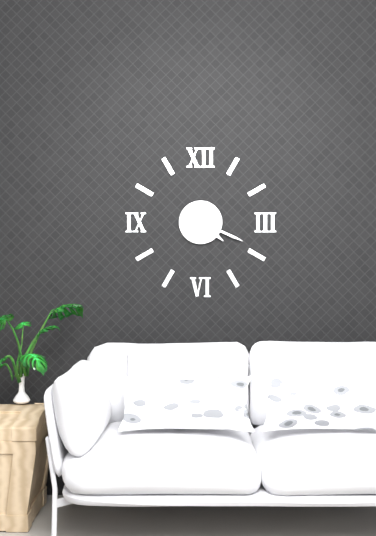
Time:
**4:19**
